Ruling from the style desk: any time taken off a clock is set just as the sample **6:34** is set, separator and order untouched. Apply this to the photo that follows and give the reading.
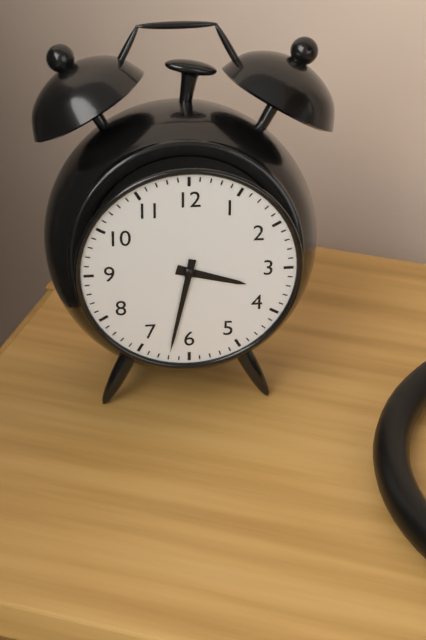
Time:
**3:32**
